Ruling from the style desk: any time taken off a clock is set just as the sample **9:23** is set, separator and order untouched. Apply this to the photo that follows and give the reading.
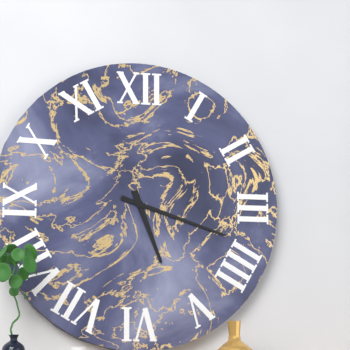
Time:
**5:18**
